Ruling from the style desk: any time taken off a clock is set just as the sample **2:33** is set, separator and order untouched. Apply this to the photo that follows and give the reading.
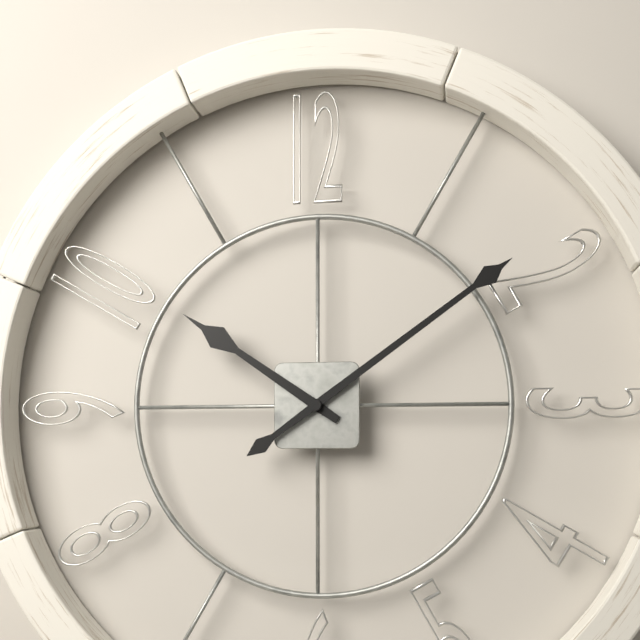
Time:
**10:09**
